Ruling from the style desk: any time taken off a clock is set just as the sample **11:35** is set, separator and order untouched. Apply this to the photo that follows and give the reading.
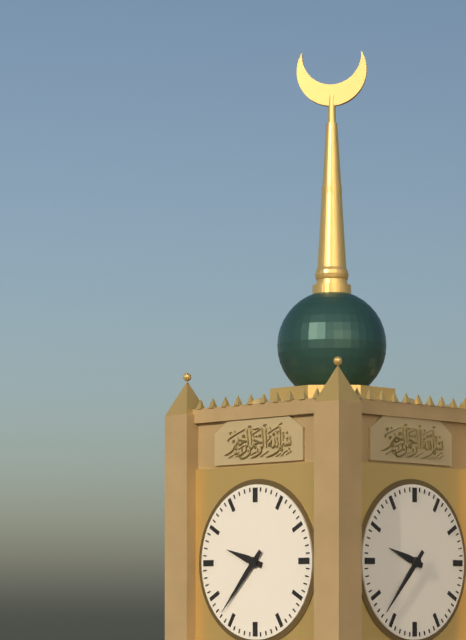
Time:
**9:37**
